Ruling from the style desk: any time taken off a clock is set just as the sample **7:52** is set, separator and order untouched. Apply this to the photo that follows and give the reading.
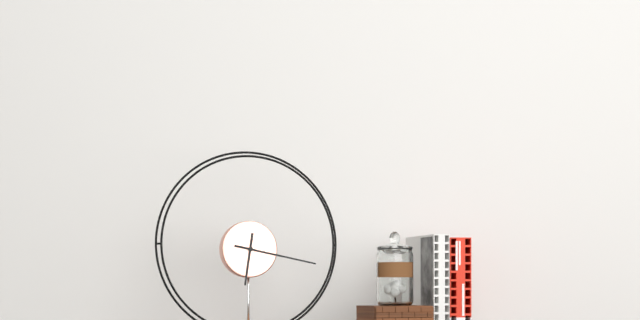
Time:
**6:17**
